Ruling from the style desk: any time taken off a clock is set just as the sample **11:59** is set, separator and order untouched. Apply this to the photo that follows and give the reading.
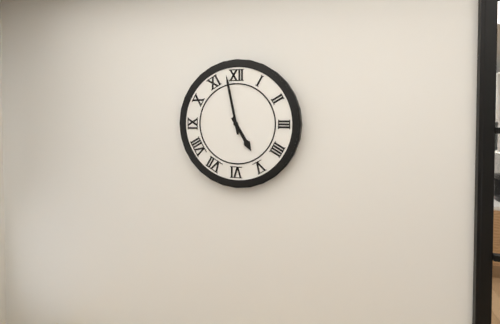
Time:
**4:58**
